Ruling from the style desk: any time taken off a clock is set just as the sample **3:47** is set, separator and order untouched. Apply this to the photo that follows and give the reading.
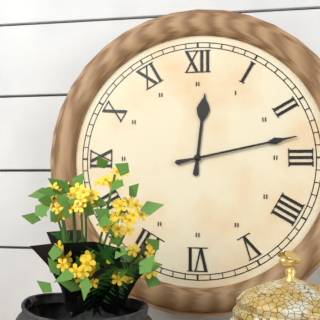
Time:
**12:13**
